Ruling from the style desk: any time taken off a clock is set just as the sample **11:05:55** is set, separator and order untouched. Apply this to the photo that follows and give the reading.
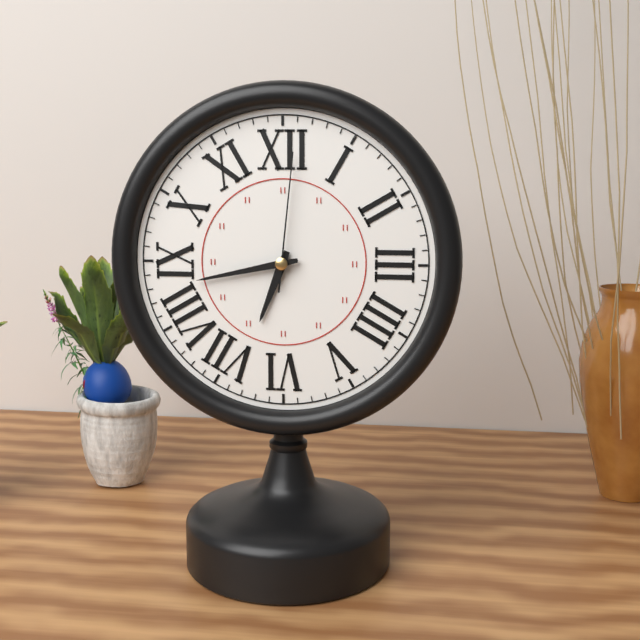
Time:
**6:43:01**
